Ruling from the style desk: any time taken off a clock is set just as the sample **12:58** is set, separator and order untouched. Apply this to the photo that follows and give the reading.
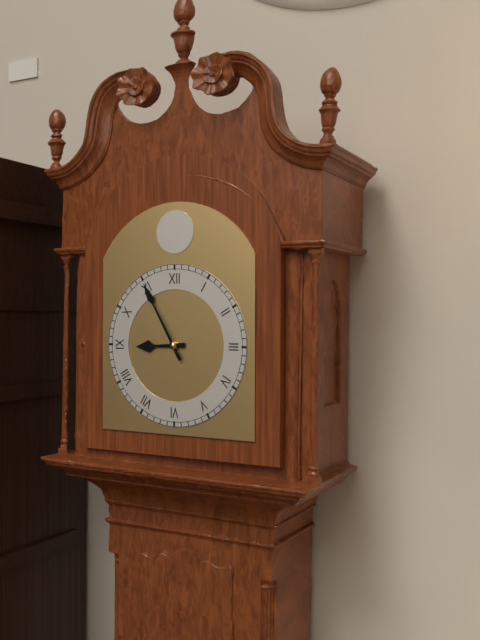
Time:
**8:55**
